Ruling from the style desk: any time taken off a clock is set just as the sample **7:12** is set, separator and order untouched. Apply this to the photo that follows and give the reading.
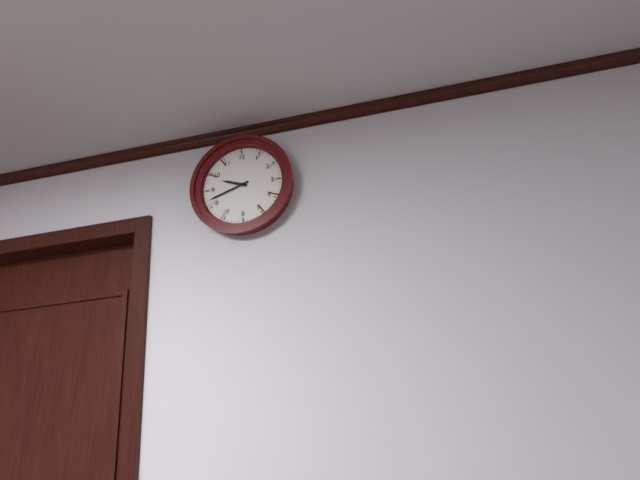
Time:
**9:42**
